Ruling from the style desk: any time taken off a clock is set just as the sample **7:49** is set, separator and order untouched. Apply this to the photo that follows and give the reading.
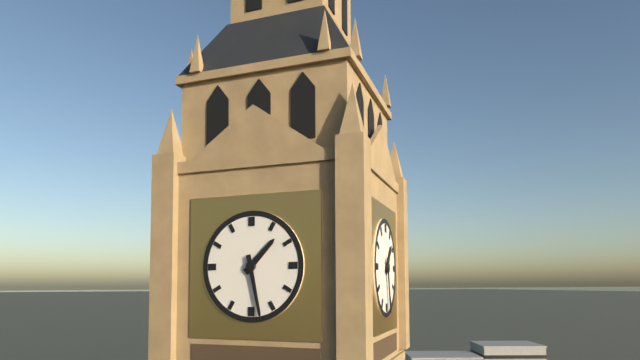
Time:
**1:28**
